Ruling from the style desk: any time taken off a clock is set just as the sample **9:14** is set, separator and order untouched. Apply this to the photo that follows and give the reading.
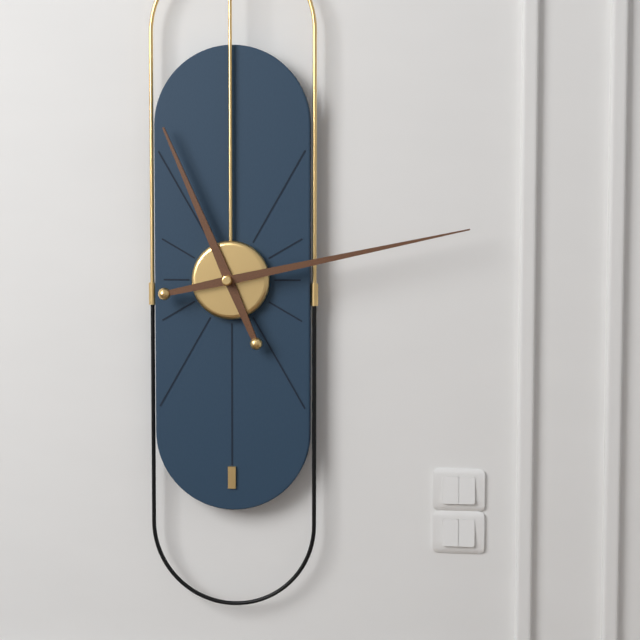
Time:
**11:13**
